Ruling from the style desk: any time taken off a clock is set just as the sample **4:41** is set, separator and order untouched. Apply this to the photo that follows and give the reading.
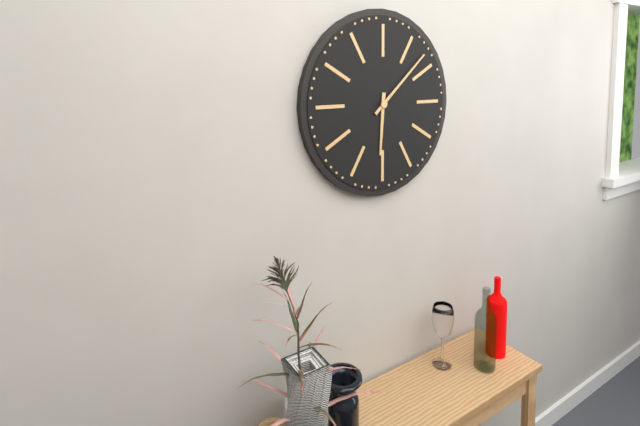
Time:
**6:08**
